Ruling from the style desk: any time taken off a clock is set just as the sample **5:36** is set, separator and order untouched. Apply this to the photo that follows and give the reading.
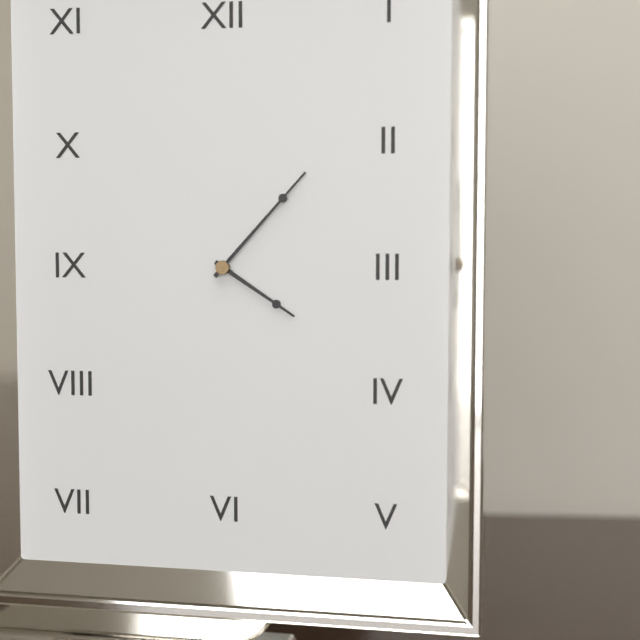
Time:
**4:07**
